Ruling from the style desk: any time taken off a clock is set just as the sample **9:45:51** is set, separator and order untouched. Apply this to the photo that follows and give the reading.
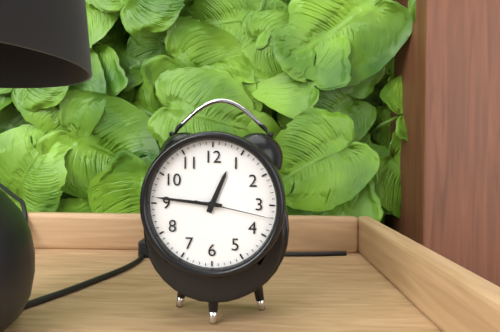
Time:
**12:46:17**
